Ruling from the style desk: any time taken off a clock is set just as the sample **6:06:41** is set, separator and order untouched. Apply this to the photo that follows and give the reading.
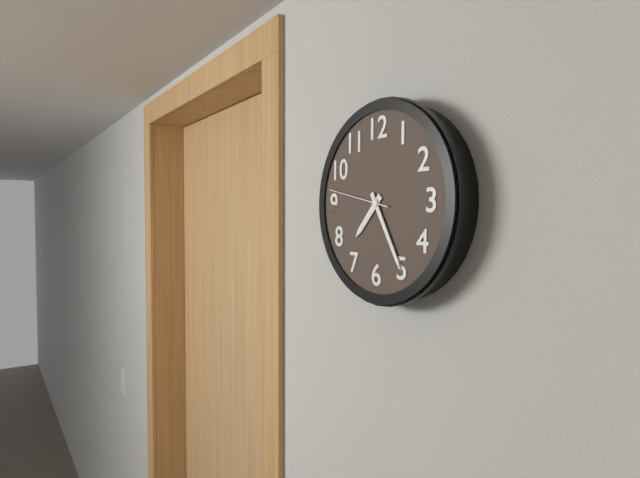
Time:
**7:25:47**
